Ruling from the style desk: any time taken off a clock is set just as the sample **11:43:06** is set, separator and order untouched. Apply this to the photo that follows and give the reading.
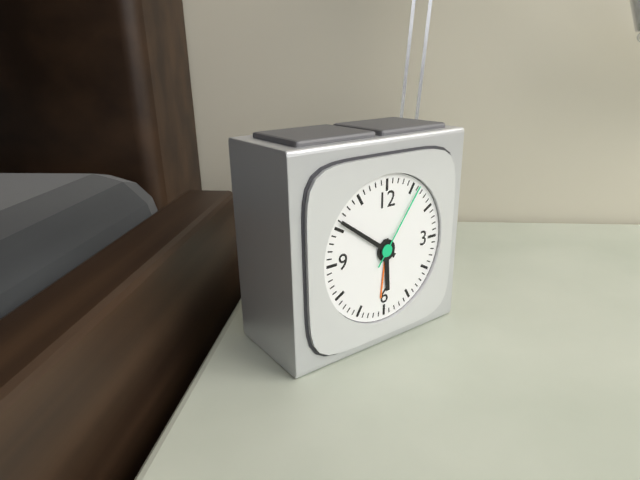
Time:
**5:51:06**
